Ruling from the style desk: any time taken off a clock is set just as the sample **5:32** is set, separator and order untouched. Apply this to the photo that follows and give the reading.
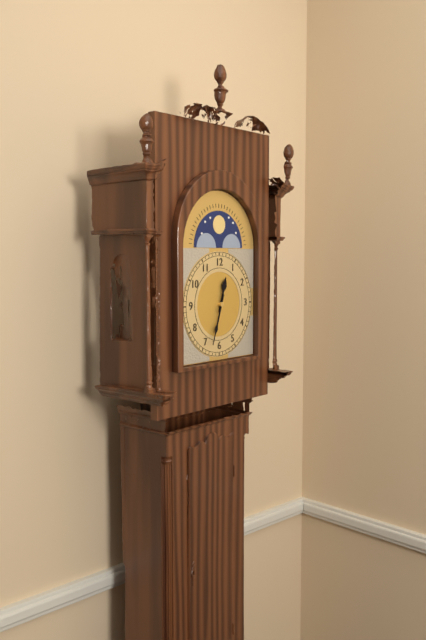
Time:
**12:33**
